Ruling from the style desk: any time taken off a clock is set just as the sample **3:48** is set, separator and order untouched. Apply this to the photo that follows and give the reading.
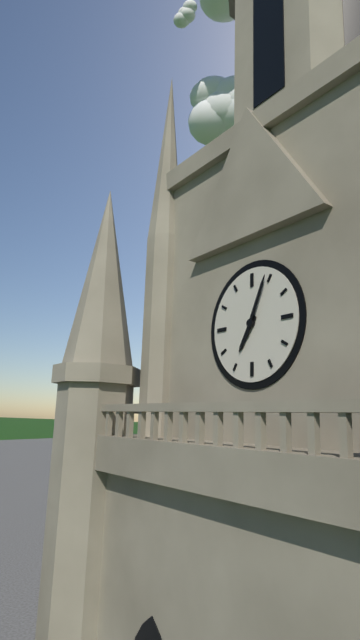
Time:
**7:04**
